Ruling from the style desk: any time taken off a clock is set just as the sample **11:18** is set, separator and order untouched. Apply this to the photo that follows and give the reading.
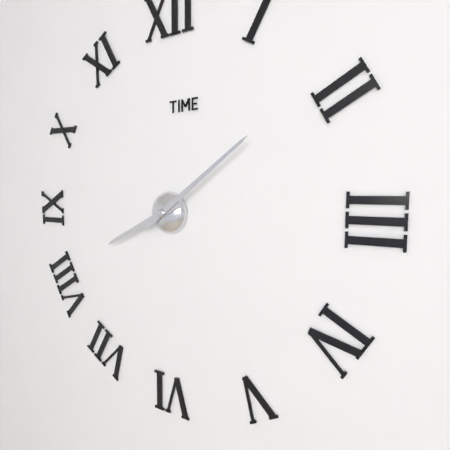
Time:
**8:09**
